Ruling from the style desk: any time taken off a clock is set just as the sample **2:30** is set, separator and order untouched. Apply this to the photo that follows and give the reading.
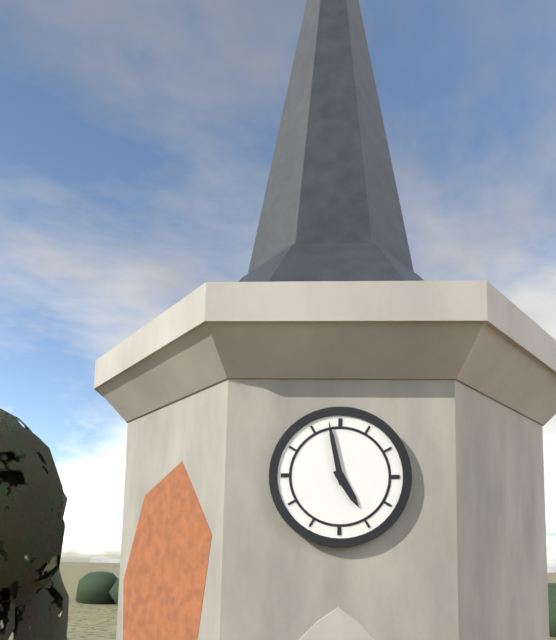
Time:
**4:58**
